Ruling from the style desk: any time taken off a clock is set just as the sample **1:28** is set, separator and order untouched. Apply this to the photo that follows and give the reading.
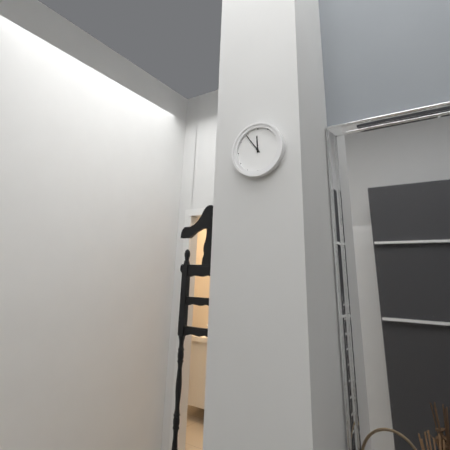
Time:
**11:54**
